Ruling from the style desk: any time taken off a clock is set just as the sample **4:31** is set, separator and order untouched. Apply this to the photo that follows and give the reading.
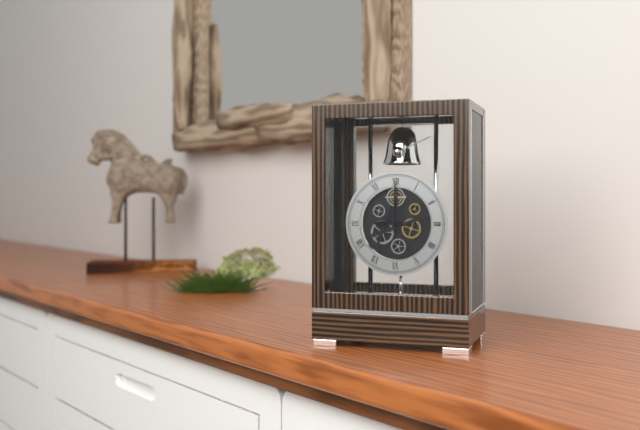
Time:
**9:00**
